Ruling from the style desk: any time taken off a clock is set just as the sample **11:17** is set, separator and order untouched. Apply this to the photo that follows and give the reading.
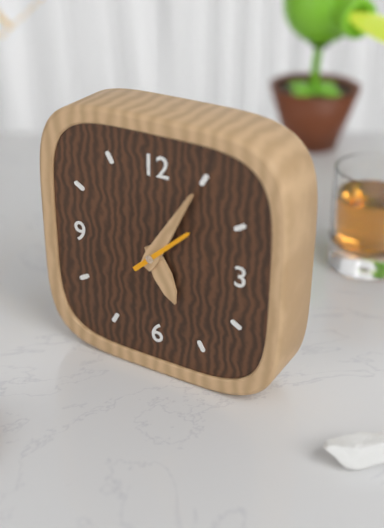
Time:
**5:05**
